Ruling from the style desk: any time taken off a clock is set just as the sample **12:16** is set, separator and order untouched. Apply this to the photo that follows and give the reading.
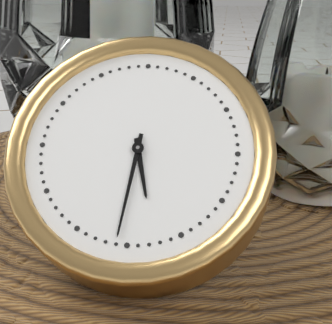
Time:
**5:31**
